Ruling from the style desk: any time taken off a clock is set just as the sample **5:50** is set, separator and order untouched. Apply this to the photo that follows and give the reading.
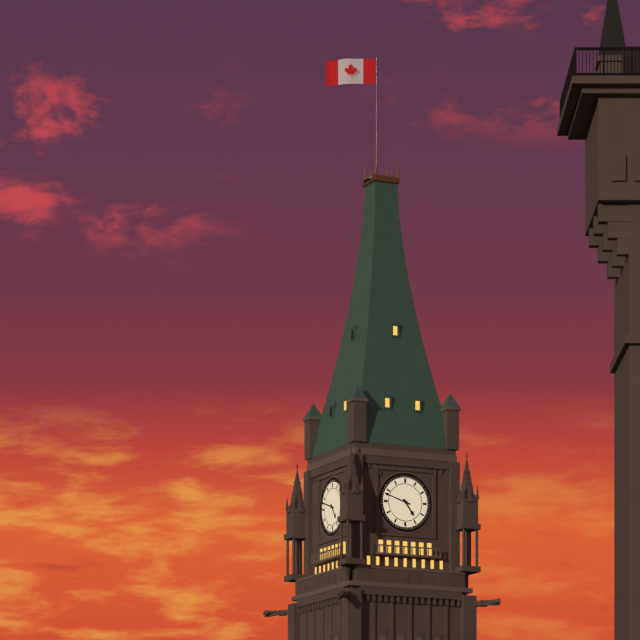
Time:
**4:48**
